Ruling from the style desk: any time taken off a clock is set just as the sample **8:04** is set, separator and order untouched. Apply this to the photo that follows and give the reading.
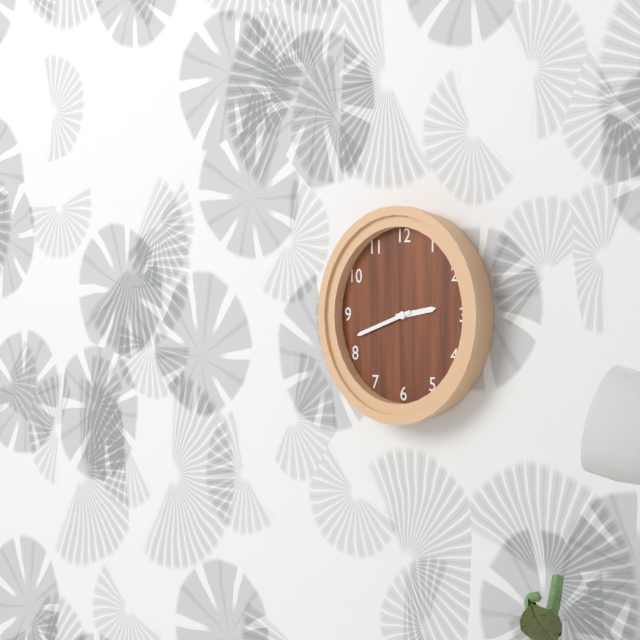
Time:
**2:42**
